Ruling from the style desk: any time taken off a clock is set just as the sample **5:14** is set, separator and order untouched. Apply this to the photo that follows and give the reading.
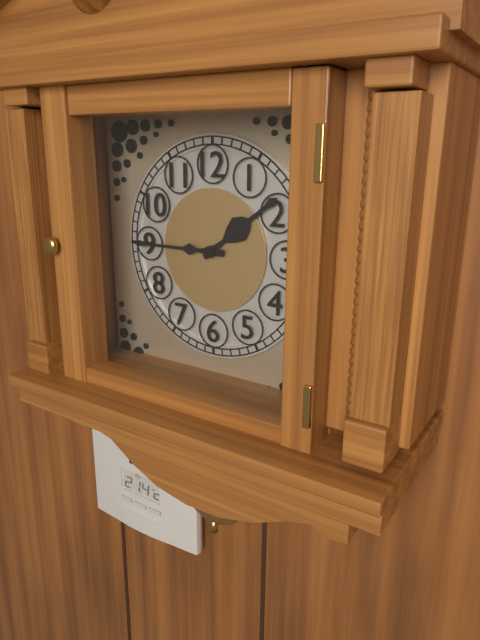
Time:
**1:45**
